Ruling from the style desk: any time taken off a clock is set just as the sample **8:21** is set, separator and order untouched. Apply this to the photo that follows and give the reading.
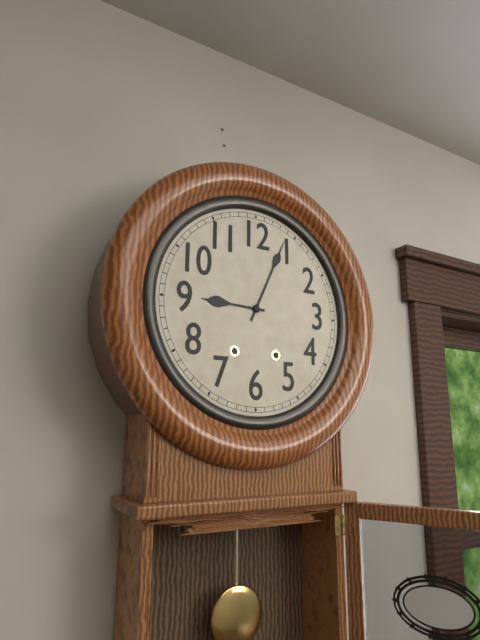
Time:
**9:04**
